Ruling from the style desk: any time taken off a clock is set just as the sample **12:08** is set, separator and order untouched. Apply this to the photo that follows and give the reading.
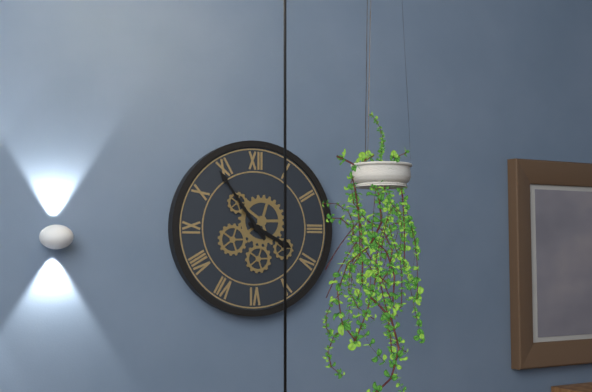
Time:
**3:54**
